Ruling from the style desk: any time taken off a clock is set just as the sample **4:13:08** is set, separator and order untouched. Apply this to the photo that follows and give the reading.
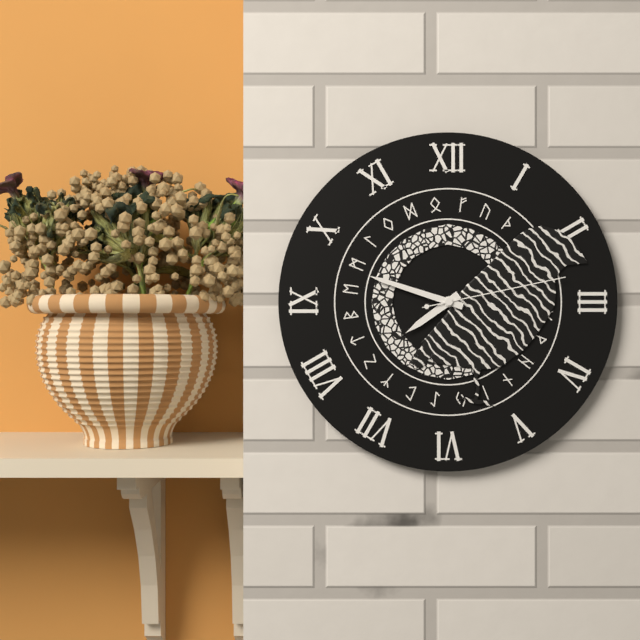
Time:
**7:48:13**
